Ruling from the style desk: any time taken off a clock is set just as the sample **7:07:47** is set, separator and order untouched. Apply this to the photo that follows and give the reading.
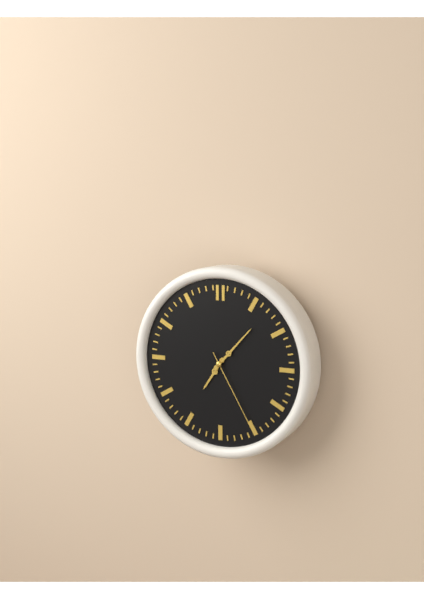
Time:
**7:07:25**
